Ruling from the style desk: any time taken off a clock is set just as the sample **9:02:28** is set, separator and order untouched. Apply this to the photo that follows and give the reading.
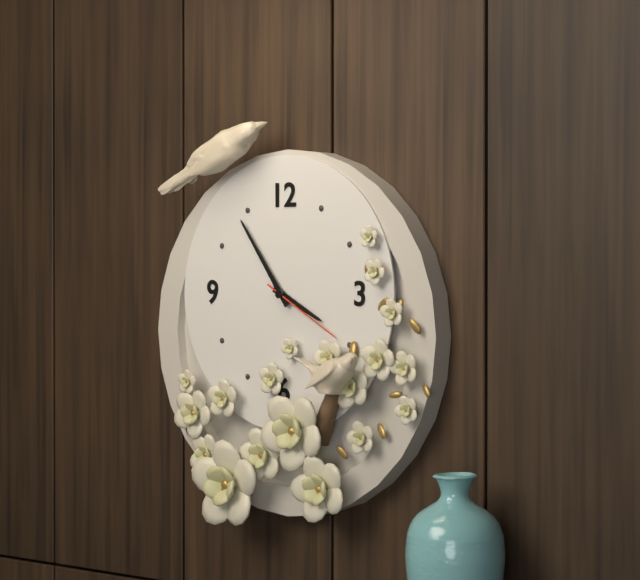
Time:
**3:54:20**
